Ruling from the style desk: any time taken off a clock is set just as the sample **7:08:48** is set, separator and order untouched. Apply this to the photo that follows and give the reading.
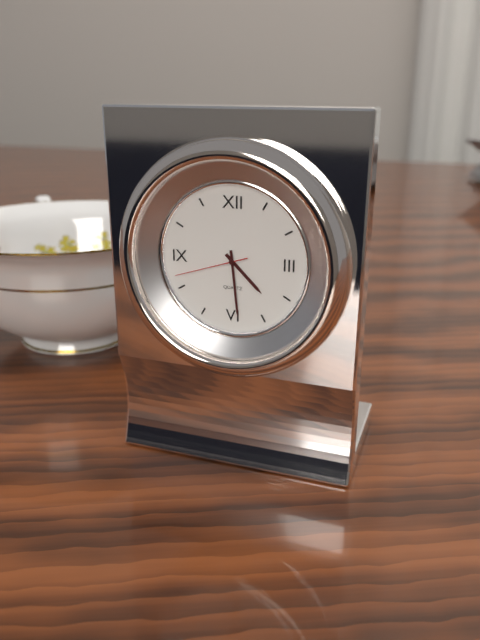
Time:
**4:29:42**
